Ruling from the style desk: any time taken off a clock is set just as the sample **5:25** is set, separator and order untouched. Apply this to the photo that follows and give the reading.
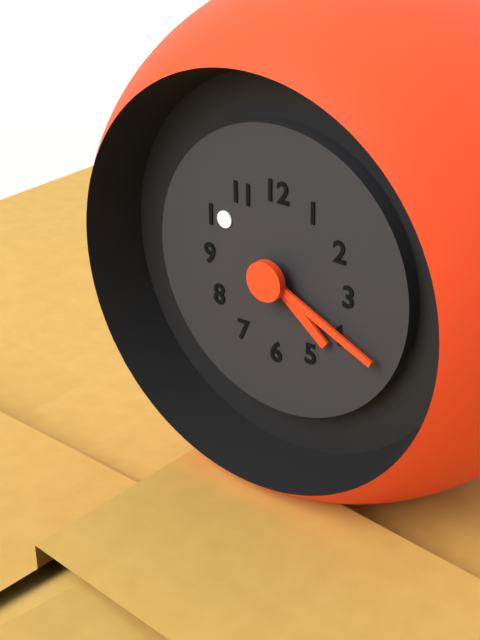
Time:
**4:19**
